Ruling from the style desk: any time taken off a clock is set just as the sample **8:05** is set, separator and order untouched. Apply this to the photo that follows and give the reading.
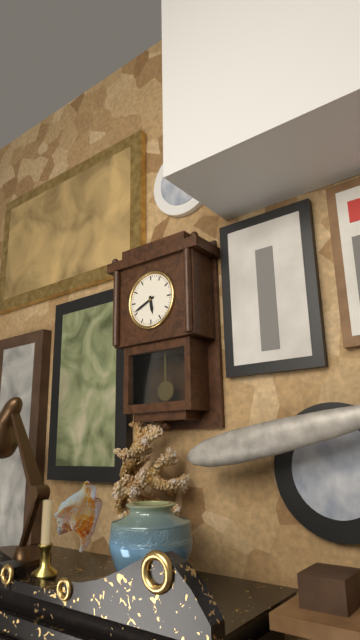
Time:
**5:41**
